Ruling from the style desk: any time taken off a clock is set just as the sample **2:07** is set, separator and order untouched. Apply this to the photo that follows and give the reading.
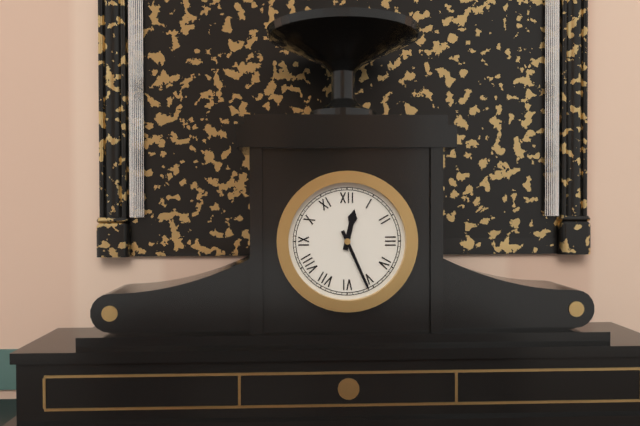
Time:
**12:26**
